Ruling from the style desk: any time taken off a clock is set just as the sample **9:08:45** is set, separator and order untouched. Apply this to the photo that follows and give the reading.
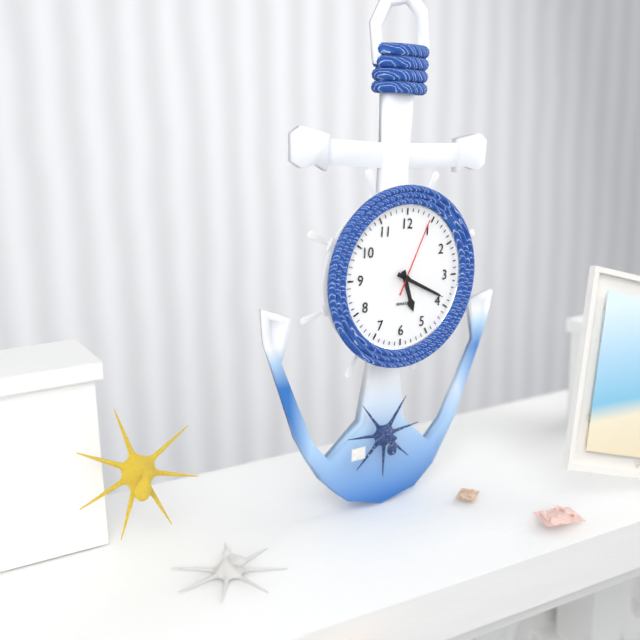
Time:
**5:19:04**
